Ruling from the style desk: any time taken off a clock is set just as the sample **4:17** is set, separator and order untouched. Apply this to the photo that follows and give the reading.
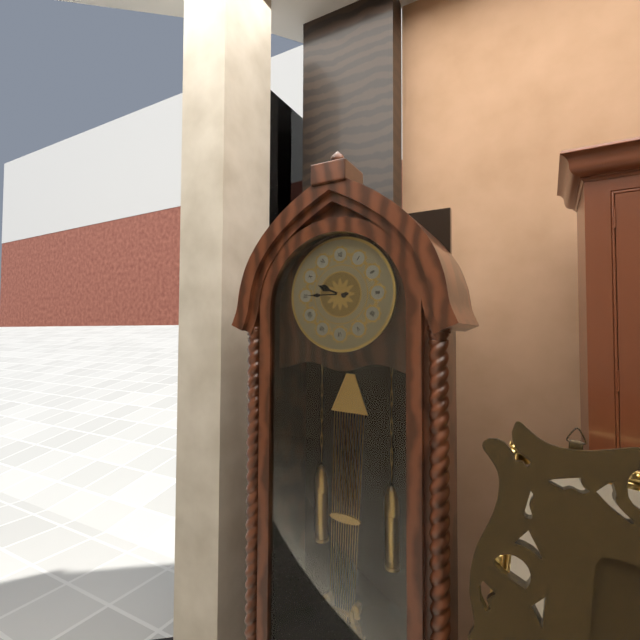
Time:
**9:45**
